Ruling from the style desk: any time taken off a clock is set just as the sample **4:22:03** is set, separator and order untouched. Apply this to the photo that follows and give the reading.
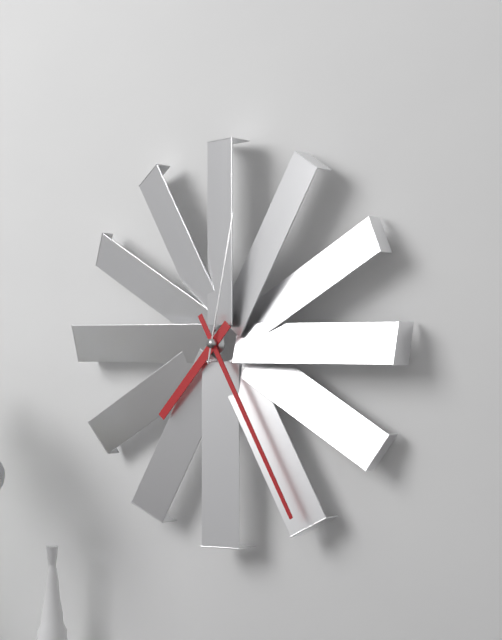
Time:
**7:25:02**
